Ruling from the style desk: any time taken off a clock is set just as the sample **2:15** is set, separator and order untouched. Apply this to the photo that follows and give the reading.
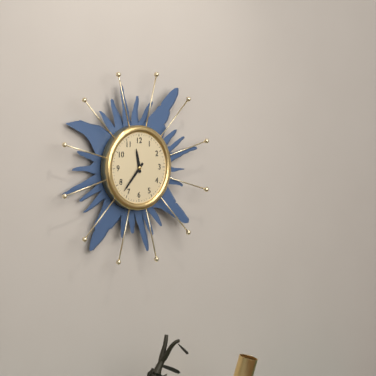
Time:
**11:37**
